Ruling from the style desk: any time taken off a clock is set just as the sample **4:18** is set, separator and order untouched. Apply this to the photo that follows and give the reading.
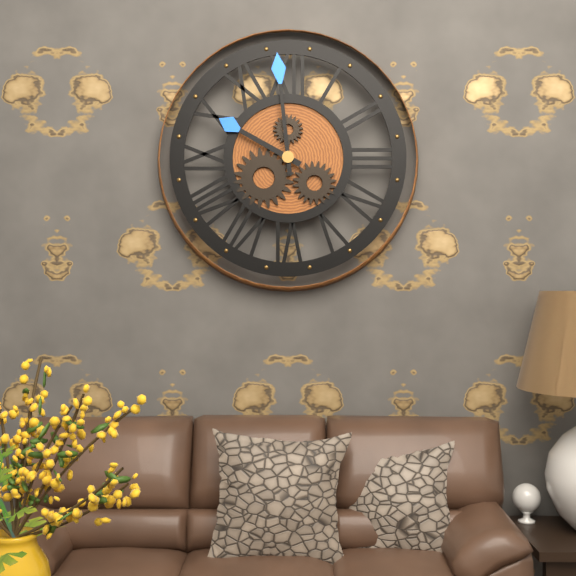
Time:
**9:59**
